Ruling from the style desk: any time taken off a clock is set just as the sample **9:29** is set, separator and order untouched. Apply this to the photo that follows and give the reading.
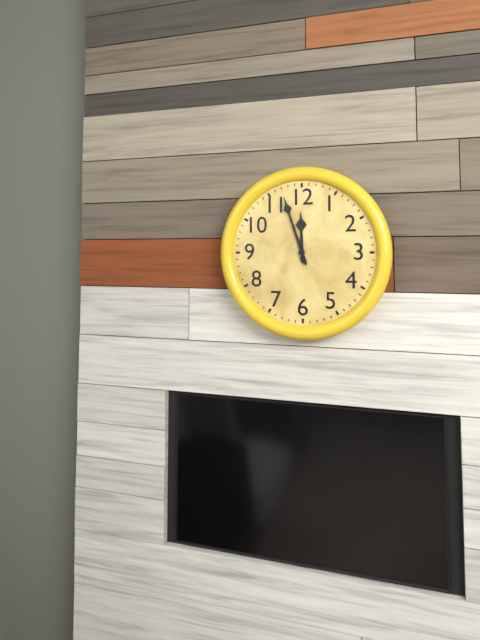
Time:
**11:57**
